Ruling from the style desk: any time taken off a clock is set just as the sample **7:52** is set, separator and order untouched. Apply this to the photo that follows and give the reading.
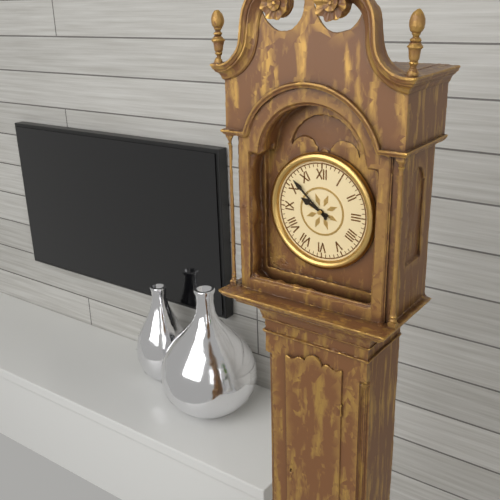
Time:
**9:52**
